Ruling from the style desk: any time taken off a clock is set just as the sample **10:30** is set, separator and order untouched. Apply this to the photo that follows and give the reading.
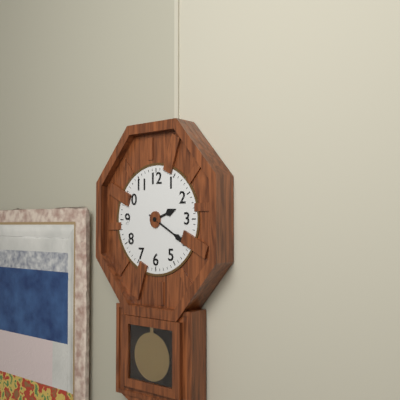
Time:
**2:20**
